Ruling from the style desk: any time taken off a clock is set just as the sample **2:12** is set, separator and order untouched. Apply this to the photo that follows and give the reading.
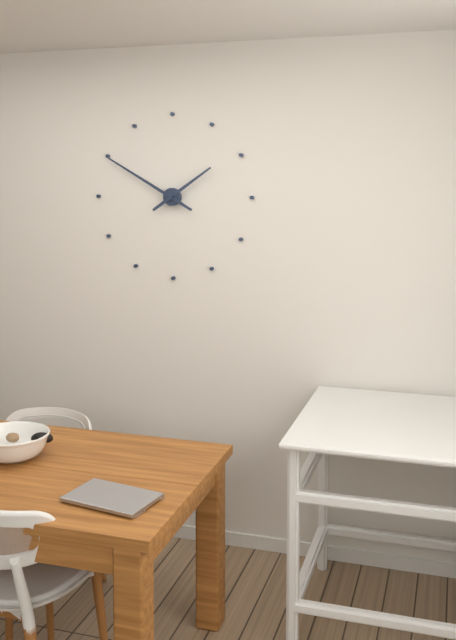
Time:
**1:50**
